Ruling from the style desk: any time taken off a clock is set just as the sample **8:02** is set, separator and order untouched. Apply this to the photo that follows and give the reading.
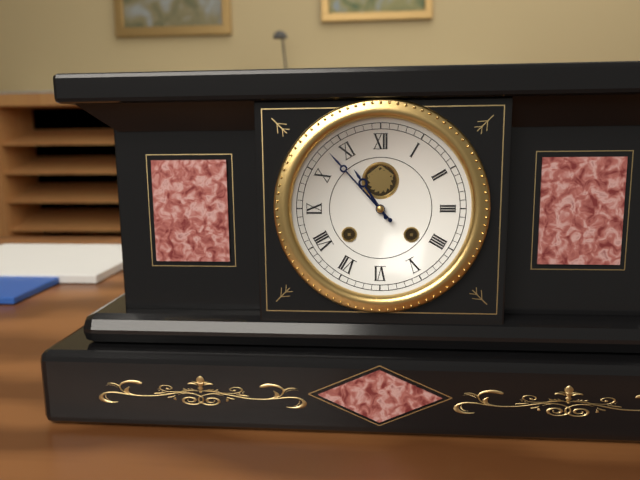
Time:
**10:53**
